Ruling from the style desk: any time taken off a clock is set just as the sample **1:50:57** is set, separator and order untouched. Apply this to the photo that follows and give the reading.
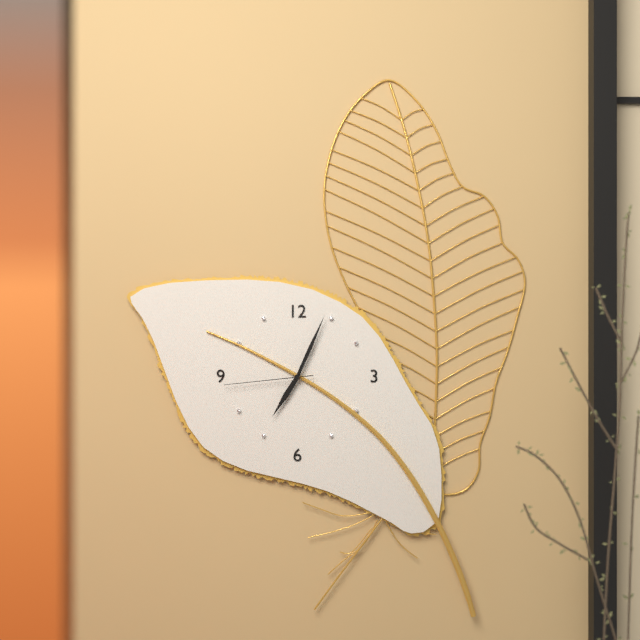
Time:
**7:04:44**
